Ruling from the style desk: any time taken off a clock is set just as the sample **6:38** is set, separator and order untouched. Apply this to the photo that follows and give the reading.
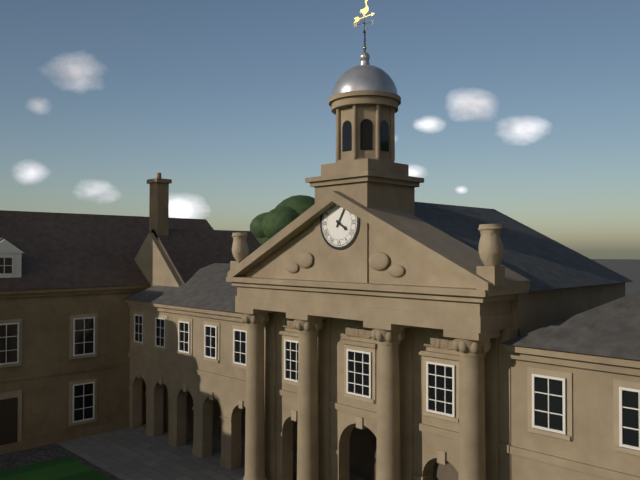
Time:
**4:05**
